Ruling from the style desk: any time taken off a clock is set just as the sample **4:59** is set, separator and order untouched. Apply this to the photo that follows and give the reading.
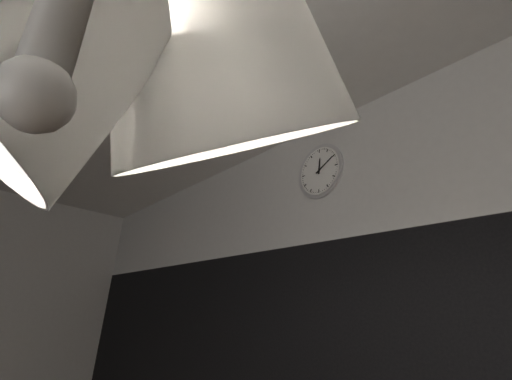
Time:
**12:10**
